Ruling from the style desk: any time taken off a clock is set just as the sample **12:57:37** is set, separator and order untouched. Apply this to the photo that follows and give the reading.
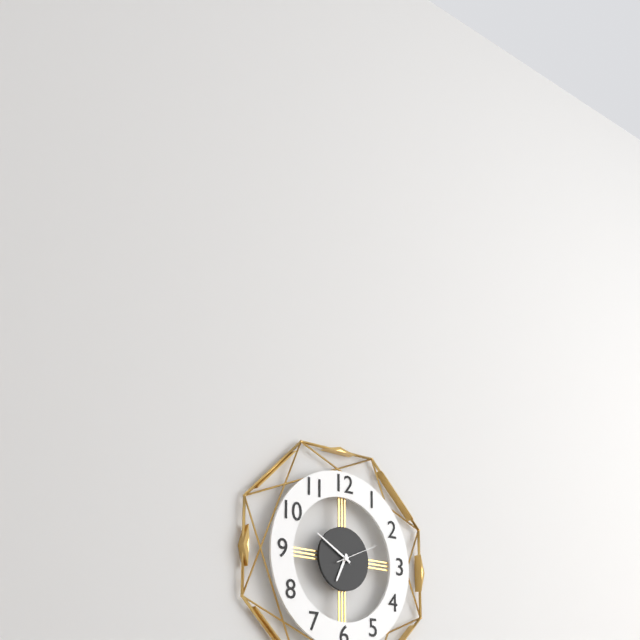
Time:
**6:50:11**
